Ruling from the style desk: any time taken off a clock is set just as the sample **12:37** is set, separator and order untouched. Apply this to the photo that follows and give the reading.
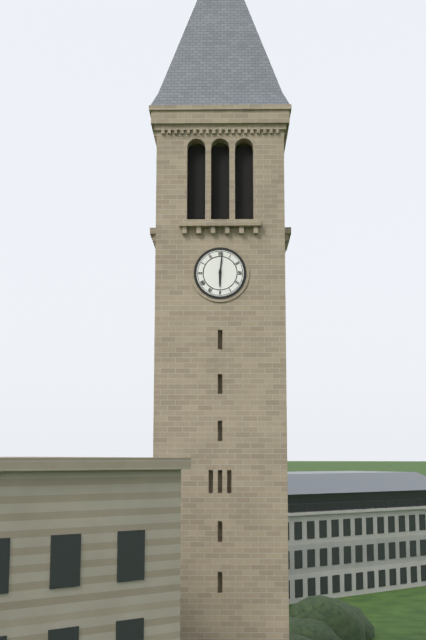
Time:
**6:01**
